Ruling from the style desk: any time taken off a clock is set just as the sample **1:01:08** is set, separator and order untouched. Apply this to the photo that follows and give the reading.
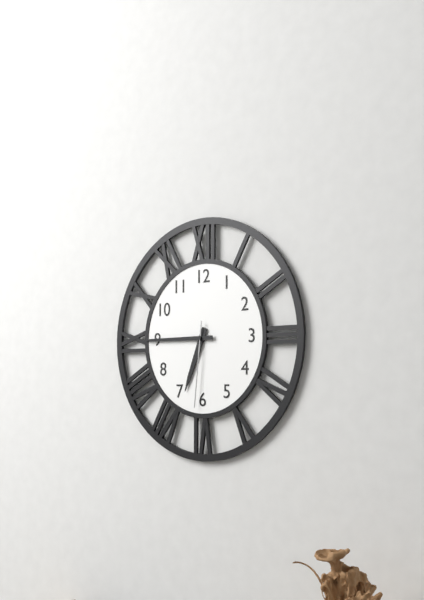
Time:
**6:45:31**
